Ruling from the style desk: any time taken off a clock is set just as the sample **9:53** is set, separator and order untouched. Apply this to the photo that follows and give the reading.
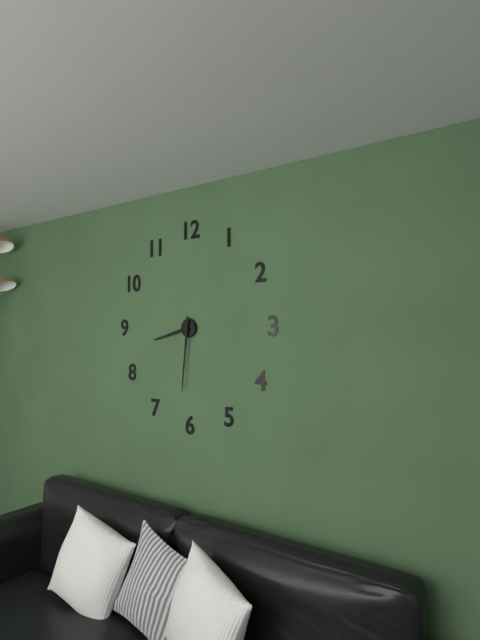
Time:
**8:31**
